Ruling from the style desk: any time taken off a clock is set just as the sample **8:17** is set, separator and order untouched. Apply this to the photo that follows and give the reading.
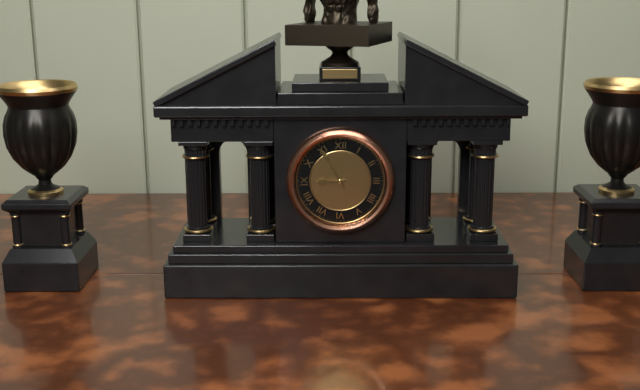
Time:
**8:55**
